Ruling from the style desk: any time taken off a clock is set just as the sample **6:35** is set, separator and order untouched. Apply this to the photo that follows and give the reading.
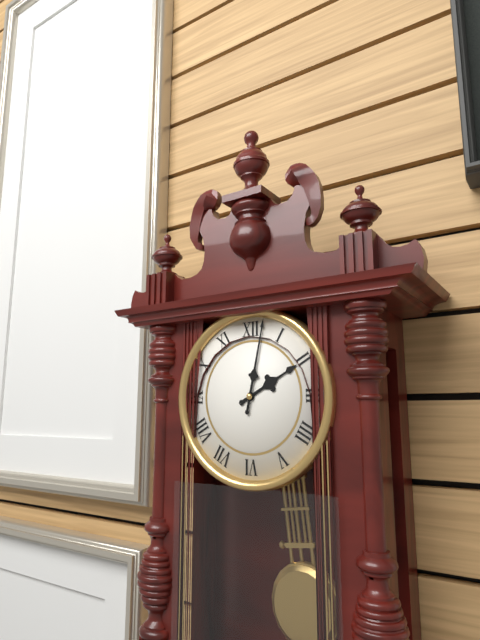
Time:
**2:02**
